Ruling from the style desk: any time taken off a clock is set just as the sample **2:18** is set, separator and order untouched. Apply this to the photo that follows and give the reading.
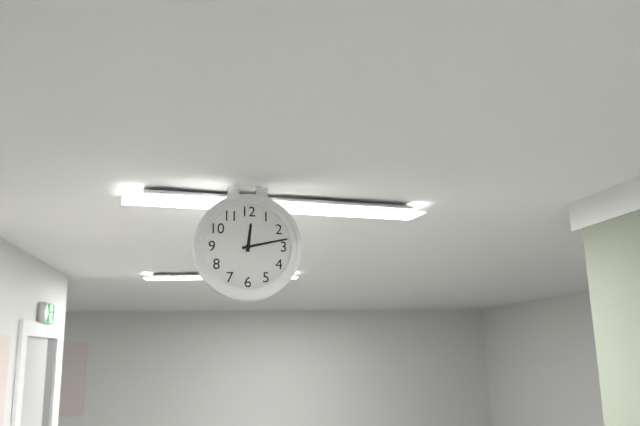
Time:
**12:13**
